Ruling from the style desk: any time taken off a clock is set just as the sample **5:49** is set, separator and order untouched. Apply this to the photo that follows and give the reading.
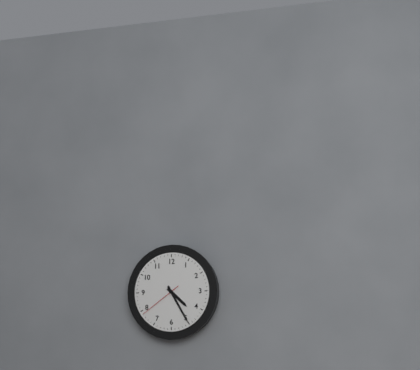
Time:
**4:25**
